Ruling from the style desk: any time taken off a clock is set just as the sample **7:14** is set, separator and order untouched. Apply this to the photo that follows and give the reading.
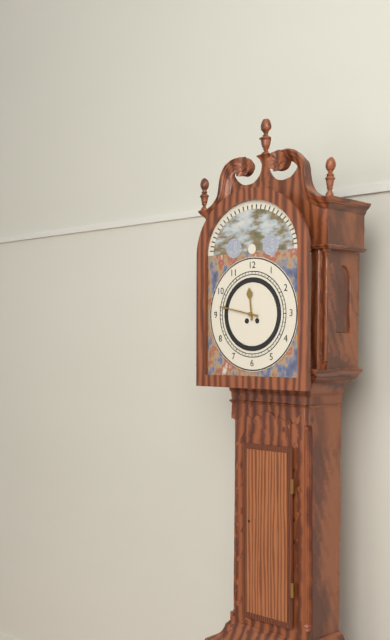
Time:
**11:47**
